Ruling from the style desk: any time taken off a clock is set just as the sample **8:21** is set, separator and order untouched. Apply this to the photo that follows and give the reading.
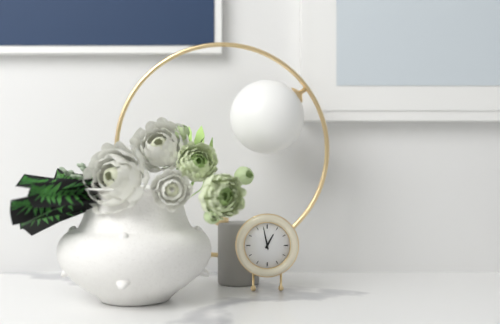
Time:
**12:58**
